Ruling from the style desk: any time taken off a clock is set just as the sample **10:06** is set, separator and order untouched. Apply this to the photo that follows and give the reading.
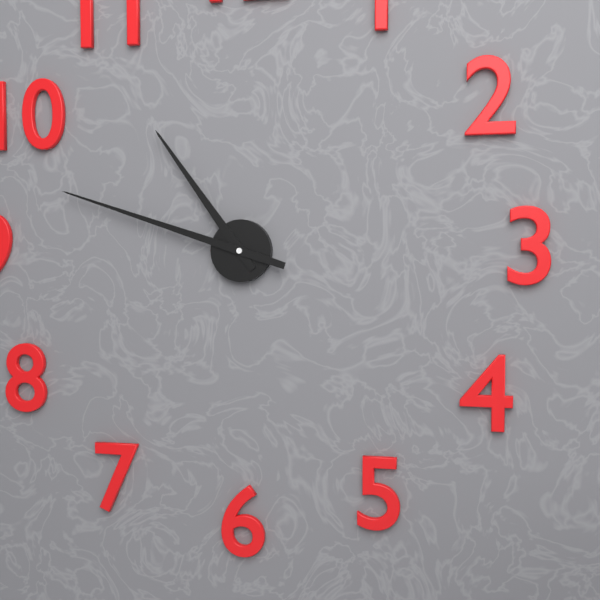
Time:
**10:48**
